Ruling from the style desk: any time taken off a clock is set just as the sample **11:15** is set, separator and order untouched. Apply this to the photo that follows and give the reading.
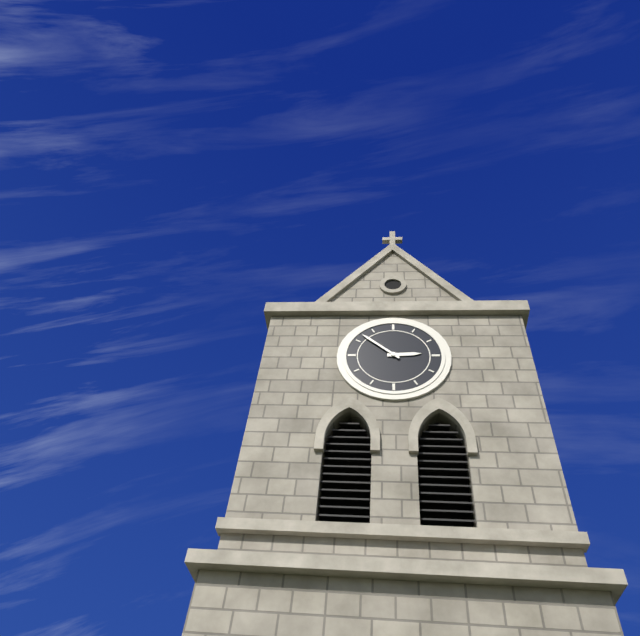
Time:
**2:52**
